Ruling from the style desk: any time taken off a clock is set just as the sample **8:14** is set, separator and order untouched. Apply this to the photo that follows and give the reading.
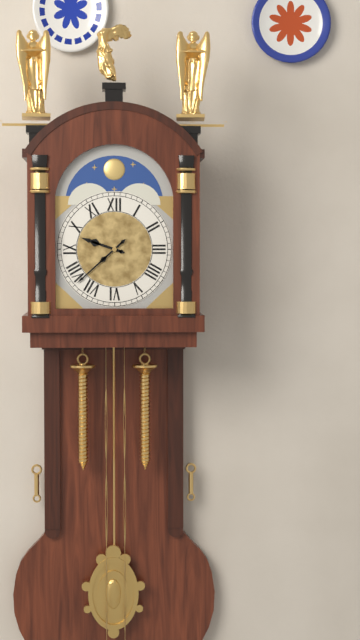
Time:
**9:38**
